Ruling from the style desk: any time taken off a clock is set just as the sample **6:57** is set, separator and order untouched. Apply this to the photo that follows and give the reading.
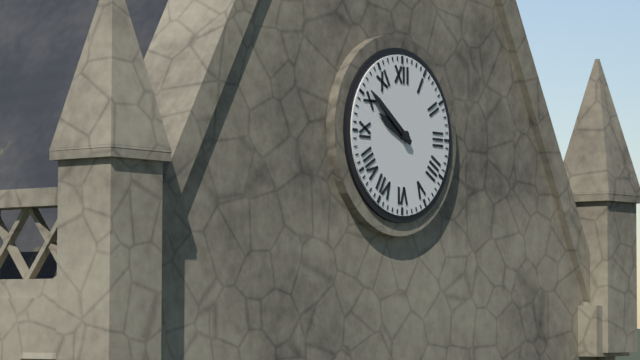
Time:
**9:51**
